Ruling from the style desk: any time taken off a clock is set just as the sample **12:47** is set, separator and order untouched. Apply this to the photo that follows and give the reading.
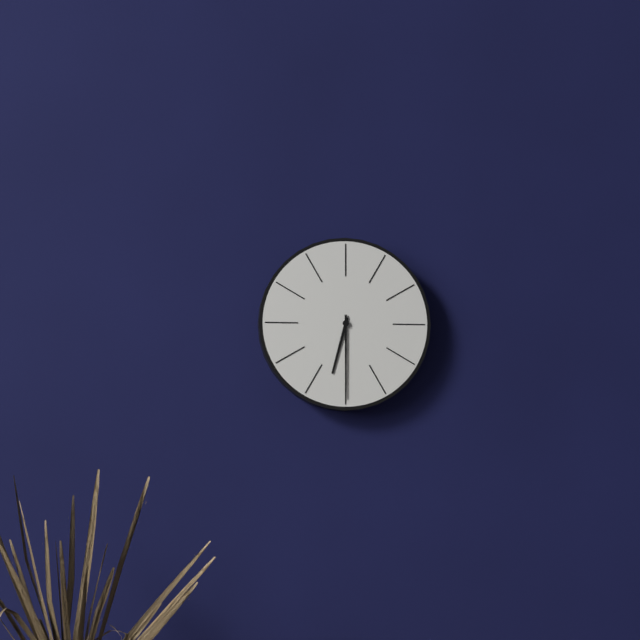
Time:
**6:30**
